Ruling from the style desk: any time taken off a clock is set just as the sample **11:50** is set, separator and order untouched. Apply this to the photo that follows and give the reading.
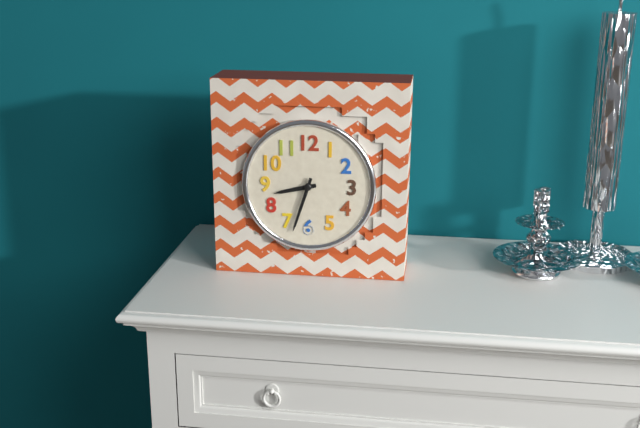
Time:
**8:33**
